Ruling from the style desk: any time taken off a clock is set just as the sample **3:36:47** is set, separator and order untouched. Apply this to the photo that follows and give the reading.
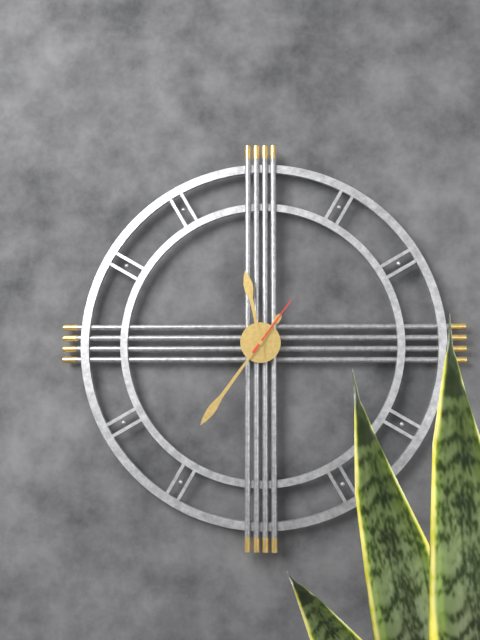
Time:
**11:36:06**
